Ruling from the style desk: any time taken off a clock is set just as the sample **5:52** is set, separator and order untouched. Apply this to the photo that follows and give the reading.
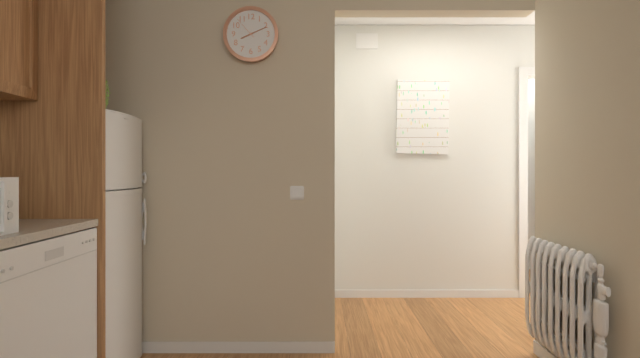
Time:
**8:11**
